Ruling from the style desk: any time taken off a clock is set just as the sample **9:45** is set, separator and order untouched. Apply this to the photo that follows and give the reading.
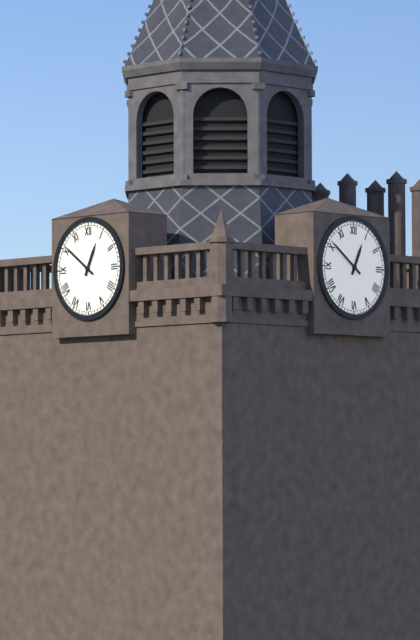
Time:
**12:51**
